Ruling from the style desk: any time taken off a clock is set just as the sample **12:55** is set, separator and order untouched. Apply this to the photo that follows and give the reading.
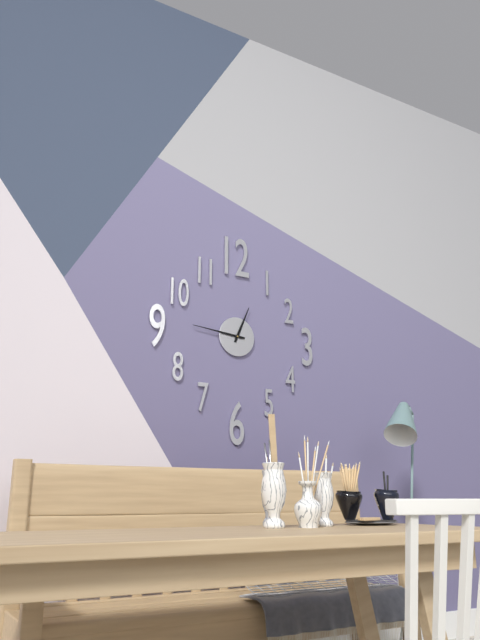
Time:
**12:46**
